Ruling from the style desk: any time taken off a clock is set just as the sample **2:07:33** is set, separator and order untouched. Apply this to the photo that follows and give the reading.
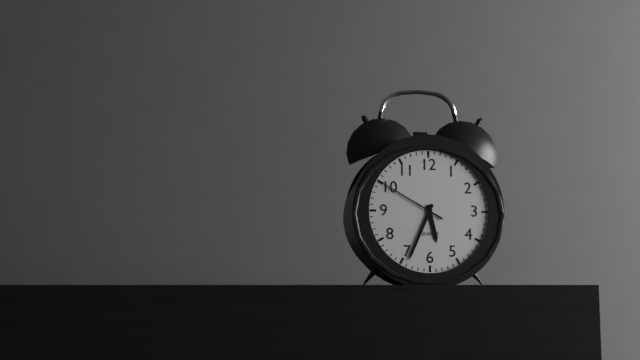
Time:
**5:34:50**
